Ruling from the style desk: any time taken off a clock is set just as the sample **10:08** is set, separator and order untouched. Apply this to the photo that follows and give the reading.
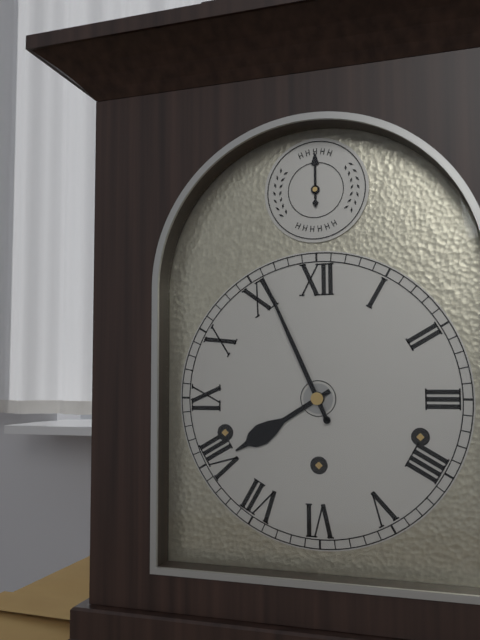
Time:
**7:56**
